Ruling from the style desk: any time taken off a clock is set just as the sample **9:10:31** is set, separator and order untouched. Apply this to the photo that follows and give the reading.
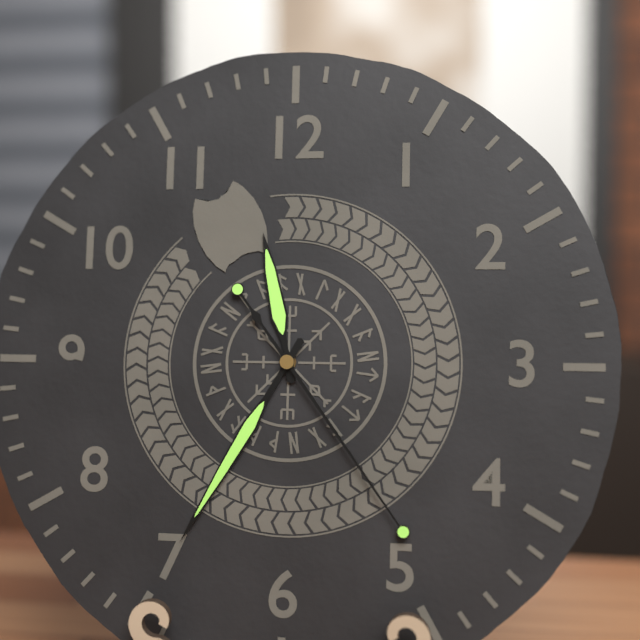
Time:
**11:35:24**
